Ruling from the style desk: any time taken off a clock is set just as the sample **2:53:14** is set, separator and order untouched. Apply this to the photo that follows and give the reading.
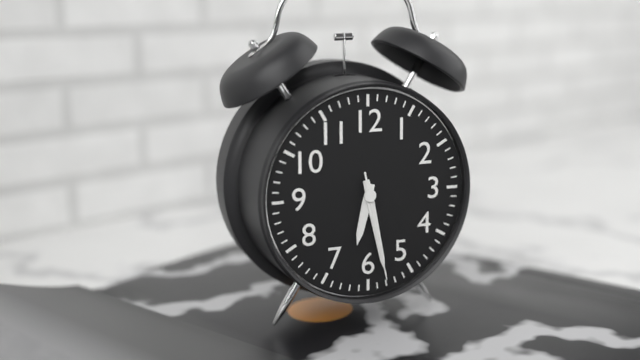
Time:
**6:28:28**
